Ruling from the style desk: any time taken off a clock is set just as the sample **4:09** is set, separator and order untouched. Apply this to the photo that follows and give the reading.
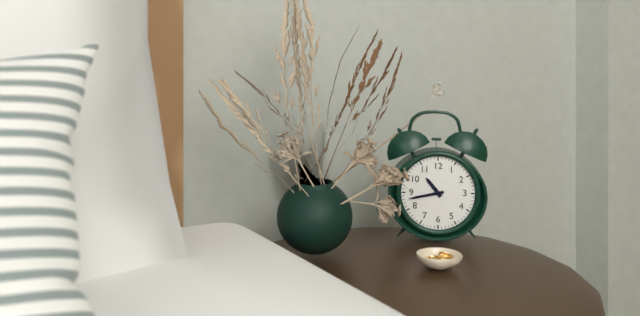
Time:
**10:43**
